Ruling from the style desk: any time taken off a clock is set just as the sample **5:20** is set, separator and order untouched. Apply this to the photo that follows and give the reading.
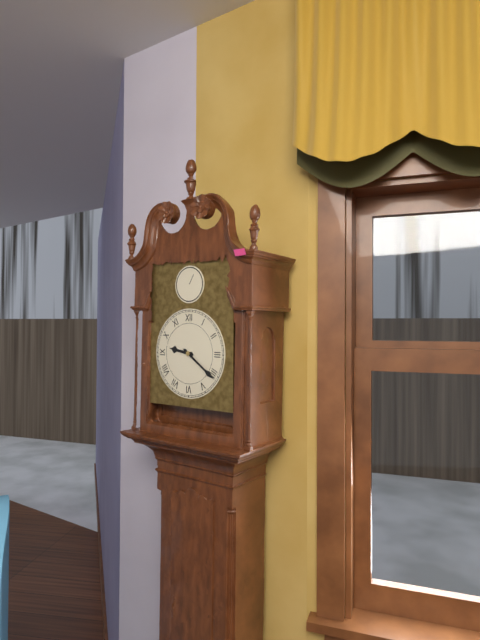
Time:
**9:21**
